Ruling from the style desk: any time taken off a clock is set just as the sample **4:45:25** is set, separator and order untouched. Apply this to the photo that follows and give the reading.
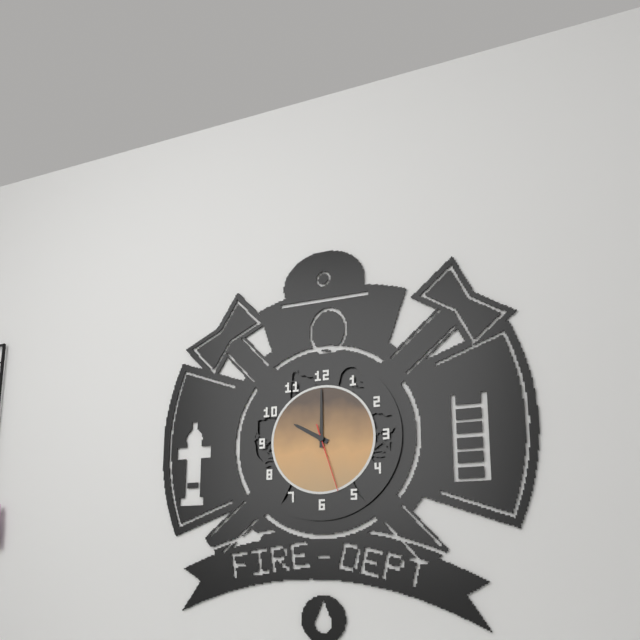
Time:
**10:00:27**
